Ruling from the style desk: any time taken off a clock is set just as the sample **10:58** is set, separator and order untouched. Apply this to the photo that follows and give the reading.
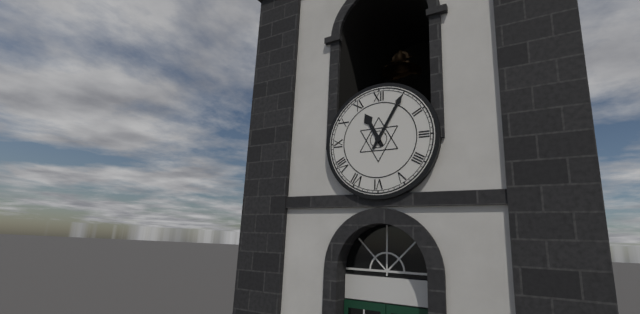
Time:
**11:05**
